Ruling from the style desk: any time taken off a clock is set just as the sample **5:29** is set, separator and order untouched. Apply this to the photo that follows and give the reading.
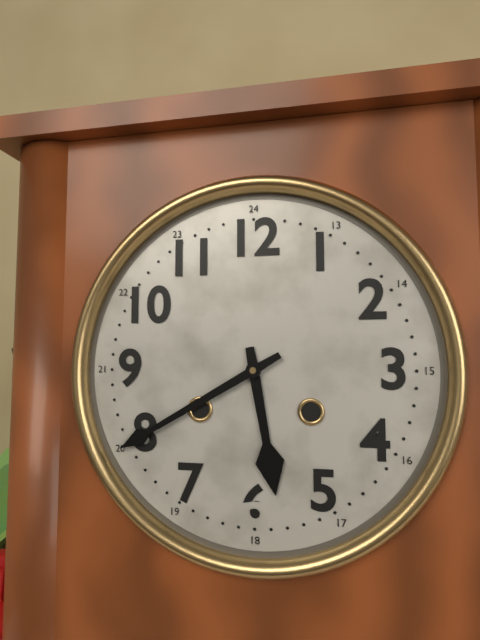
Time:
**5:40**
